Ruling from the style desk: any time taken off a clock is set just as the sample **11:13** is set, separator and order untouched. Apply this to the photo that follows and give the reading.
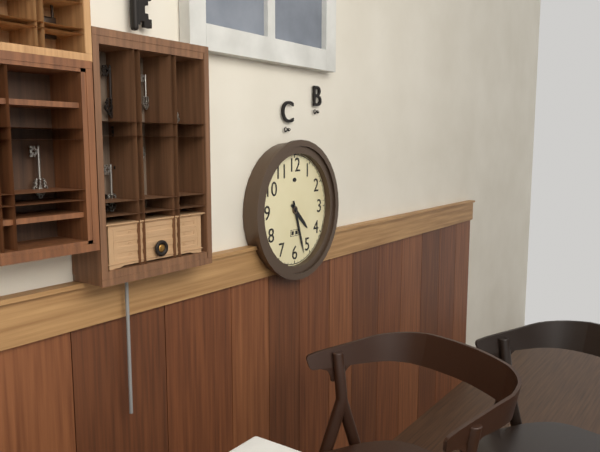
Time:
**4:27**
